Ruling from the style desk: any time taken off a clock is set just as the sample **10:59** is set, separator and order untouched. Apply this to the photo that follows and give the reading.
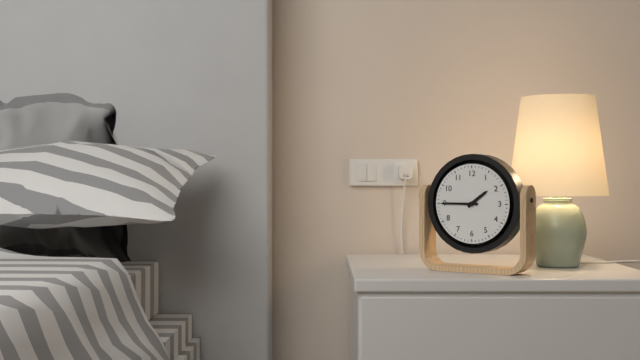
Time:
**1:45**
